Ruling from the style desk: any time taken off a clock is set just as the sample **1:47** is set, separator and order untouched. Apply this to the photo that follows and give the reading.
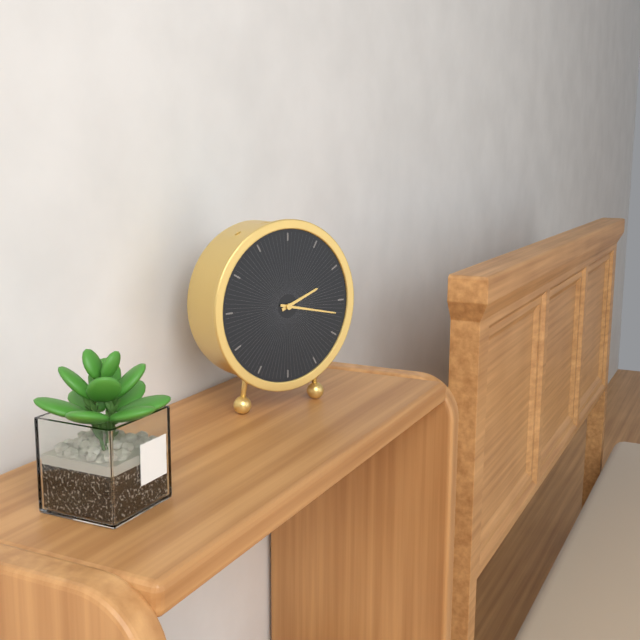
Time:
**2:17**
